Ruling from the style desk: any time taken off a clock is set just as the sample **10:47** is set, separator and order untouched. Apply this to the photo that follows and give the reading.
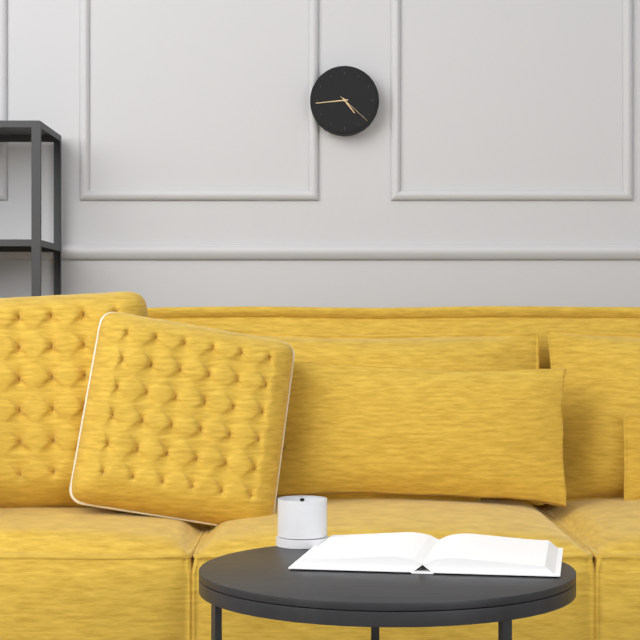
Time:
**4:44**
